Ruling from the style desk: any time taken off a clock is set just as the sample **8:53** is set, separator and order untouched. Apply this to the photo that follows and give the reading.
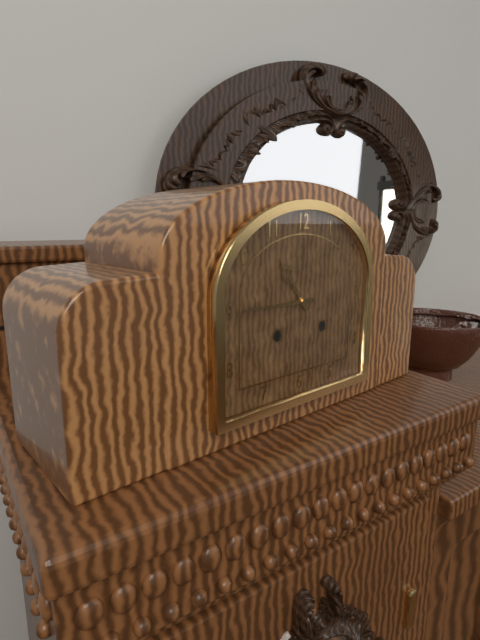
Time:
**10:45**
